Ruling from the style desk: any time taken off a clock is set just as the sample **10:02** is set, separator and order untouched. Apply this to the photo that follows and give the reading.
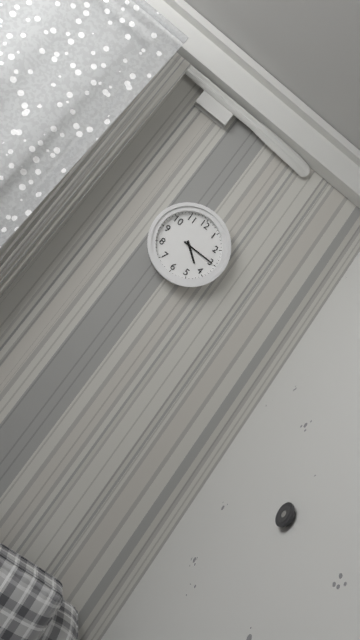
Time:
**4:15**
